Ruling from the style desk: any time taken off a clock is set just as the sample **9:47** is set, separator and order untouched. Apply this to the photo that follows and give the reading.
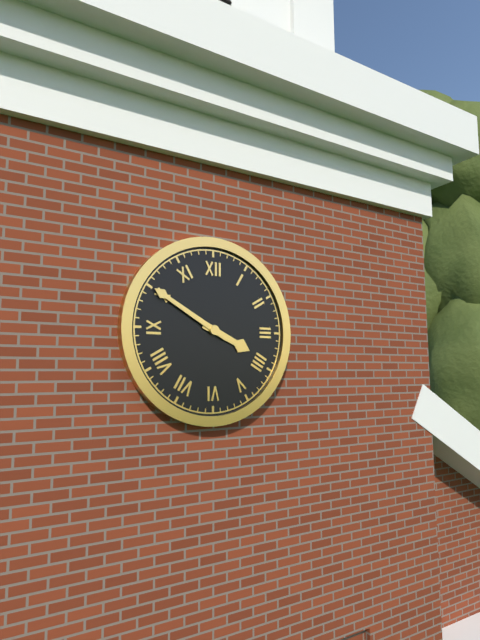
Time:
**3:50**
